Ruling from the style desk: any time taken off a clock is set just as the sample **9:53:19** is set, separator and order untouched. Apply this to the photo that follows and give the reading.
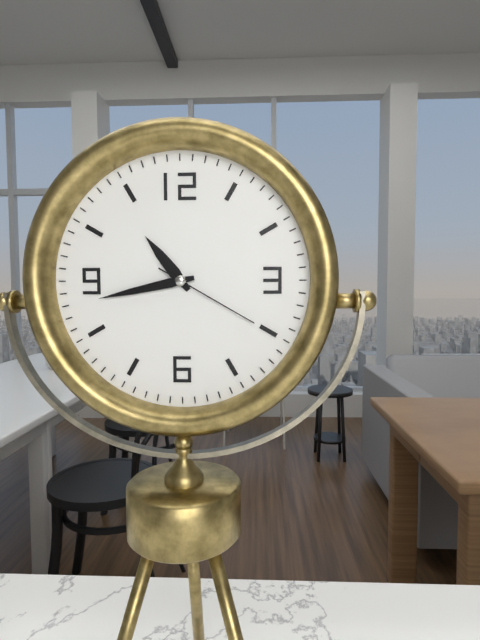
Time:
**10:43:20**
